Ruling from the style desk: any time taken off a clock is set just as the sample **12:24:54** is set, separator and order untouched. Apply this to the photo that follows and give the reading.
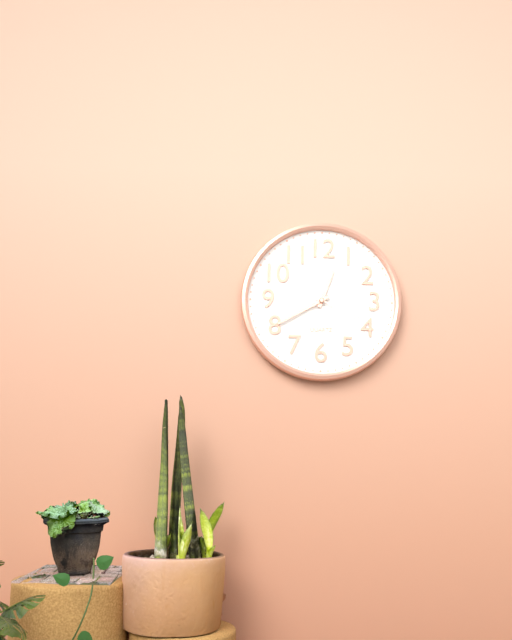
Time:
**12:40:19**
